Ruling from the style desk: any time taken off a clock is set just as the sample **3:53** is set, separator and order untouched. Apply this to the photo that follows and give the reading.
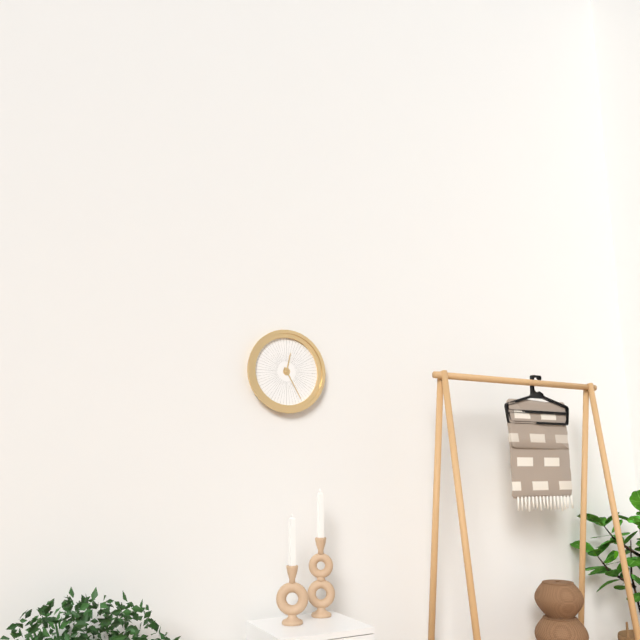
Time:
**12:25**
